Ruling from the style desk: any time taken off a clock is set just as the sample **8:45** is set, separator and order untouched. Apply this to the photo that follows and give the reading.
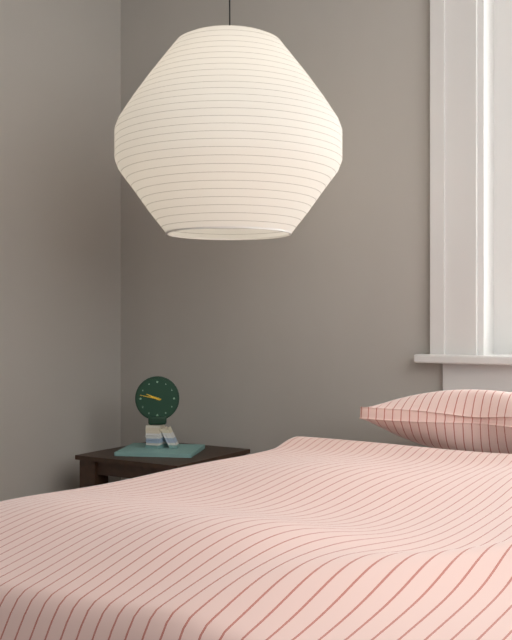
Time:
**9:47**
